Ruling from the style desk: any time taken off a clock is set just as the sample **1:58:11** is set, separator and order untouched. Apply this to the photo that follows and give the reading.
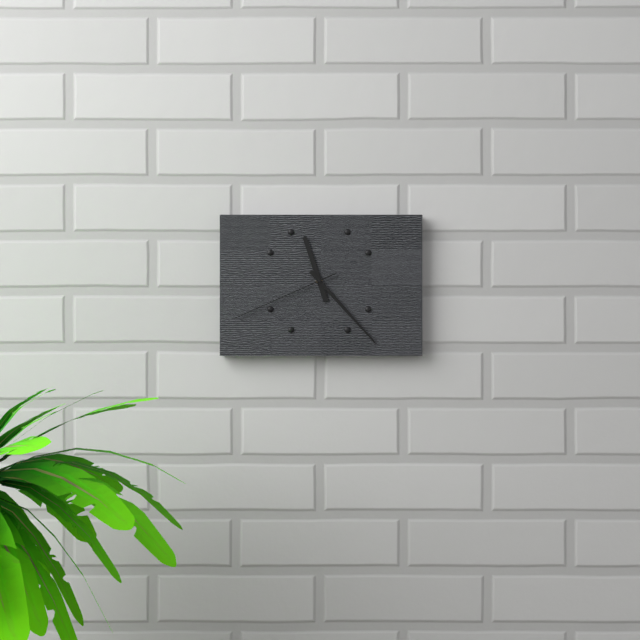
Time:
**11:23:41**
